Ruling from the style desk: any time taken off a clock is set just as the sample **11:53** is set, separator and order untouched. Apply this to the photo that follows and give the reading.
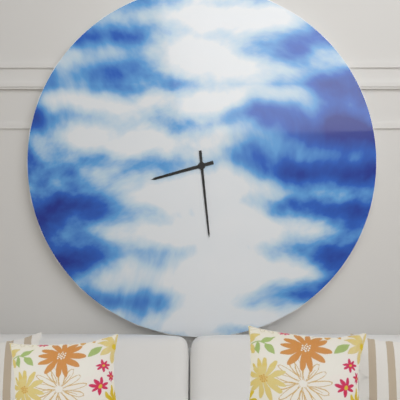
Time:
**8:29**
